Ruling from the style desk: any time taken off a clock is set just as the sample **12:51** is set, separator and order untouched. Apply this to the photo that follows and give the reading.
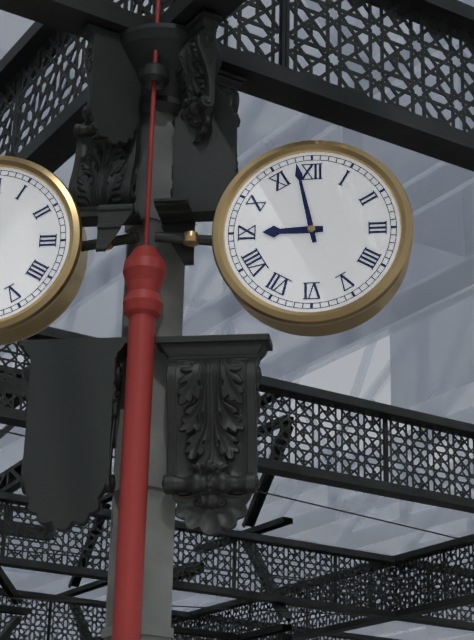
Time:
**8:58**
